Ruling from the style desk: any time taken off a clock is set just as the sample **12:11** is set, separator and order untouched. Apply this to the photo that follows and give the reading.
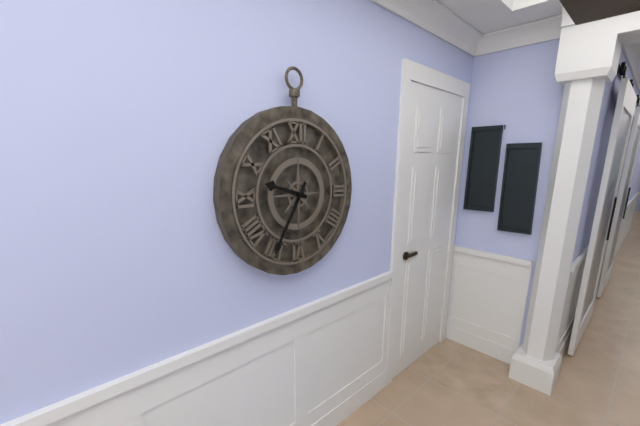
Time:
**9:35**
